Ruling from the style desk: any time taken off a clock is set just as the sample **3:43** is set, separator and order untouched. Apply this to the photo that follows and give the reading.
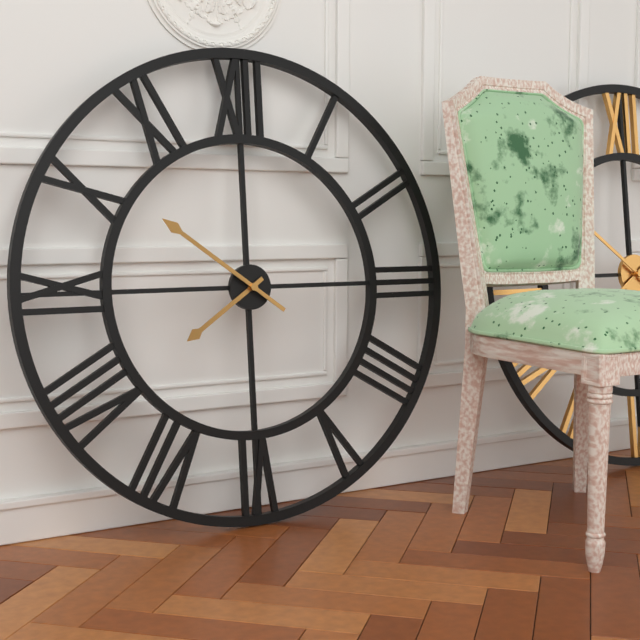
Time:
**7:51**
